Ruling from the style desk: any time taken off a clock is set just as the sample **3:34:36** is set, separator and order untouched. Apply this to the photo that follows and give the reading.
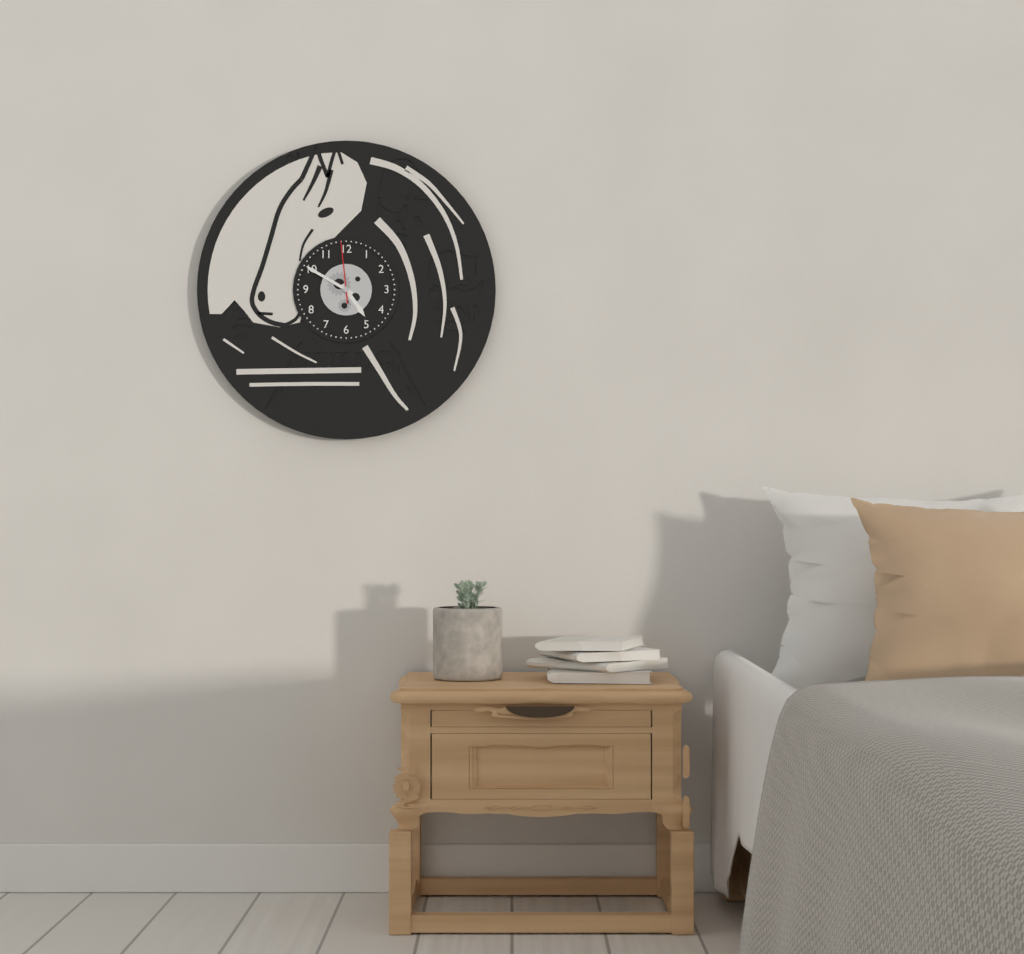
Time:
**4:50:59**
